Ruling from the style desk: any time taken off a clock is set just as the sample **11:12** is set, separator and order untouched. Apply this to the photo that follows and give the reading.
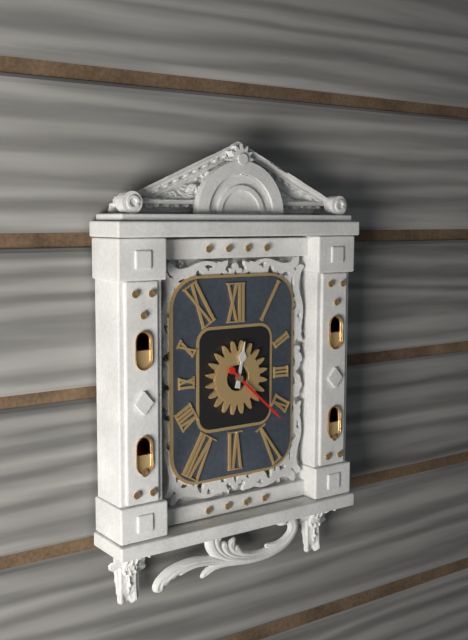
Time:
**12:22**
